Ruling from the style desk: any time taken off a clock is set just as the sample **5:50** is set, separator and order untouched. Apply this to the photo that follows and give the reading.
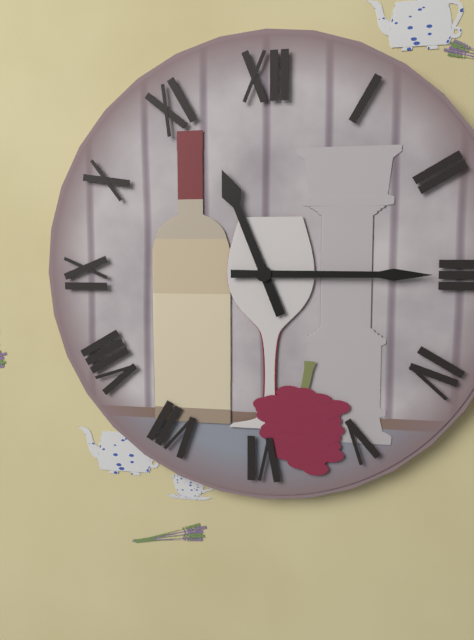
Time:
**11:15**
